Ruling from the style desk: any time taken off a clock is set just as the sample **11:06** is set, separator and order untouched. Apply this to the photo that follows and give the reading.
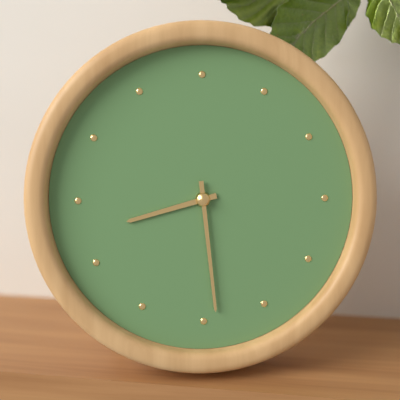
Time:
**8:29**
